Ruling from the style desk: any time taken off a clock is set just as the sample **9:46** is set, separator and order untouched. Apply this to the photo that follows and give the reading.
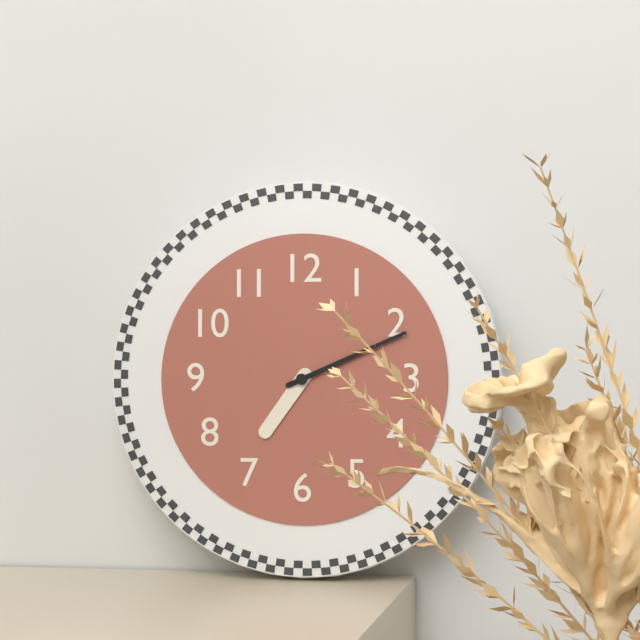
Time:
**7:11**
